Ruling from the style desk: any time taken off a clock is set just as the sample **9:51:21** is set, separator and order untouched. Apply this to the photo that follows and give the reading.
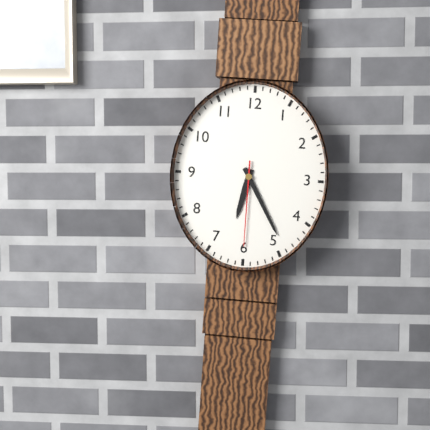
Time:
**6:25:30**
